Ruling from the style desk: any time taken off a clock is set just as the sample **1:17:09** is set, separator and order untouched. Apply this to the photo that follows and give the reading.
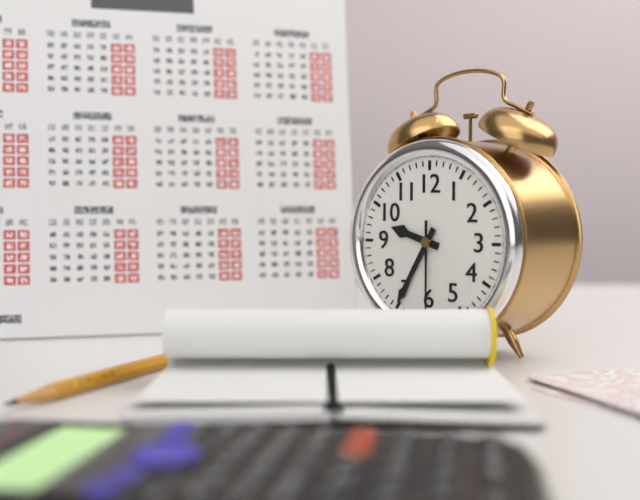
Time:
**9:35:30**
